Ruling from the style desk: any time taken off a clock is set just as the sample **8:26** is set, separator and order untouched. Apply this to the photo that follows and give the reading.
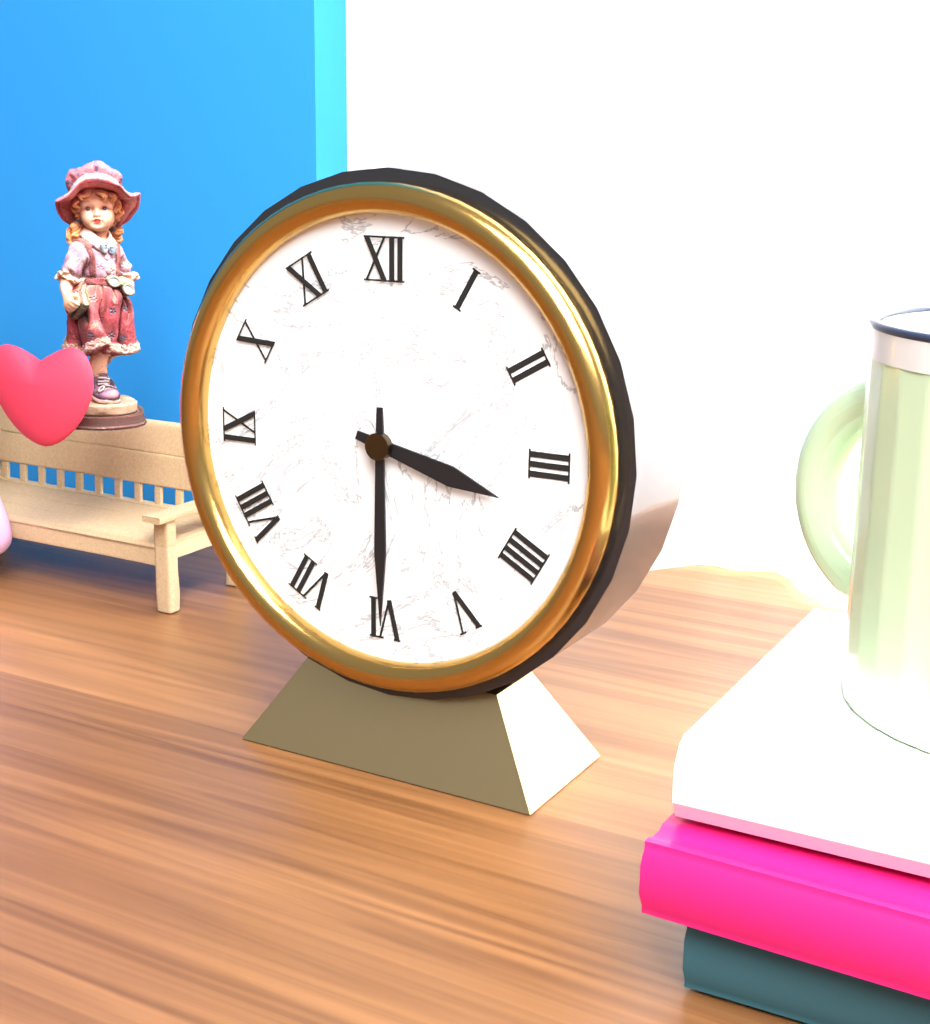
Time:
**3:30**
